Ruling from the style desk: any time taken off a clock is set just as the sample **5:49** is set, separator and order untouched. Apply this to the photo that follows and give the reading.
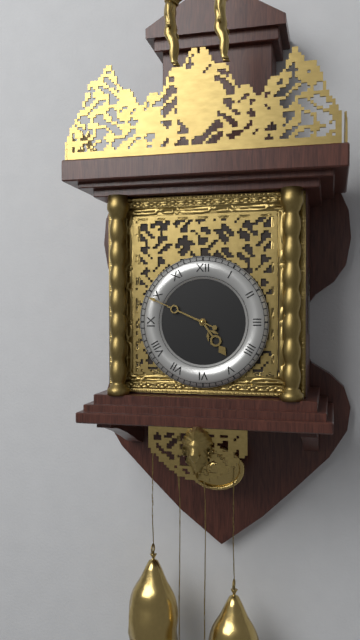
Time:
**4:49**
